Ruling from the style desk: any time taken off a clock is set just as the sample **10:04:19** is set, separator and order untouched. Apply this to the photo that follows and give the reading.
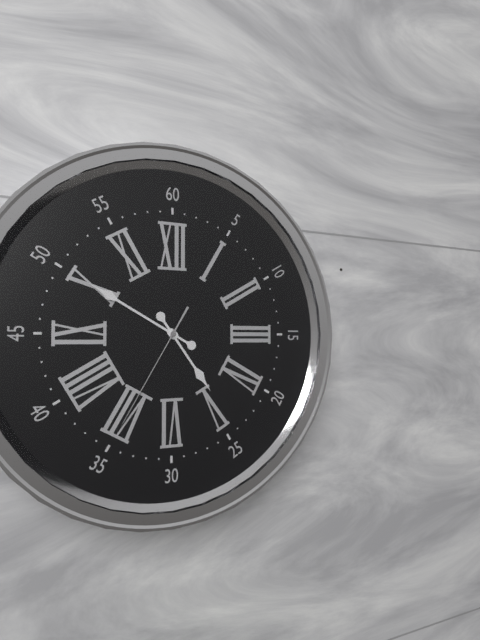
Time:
**4:50:35**
